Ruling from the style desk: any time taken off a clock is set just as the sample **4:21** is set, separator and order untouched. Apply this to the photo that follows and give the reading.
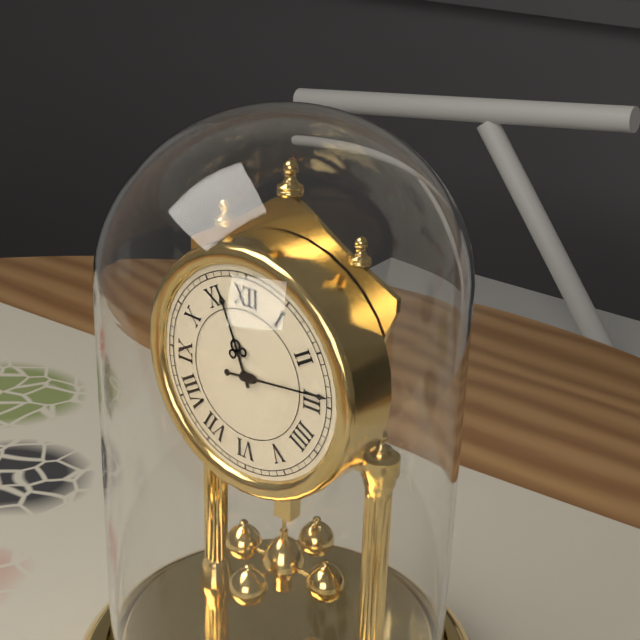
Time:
**11:14**
